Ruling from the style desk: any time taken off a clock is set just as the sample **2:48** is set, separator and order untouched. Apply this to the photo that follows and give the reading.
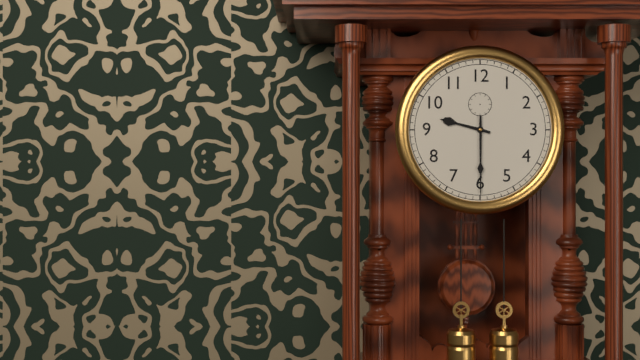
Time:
**9:30**
